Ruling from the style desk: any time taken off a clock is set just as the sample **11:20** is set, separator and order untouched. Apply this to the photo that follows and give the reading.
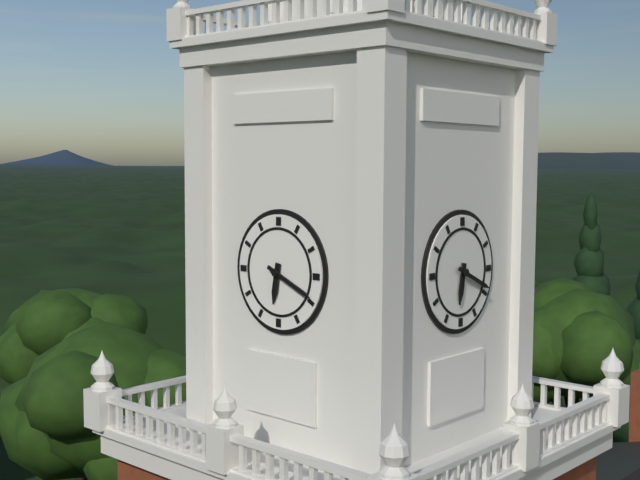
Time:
**6:19**
